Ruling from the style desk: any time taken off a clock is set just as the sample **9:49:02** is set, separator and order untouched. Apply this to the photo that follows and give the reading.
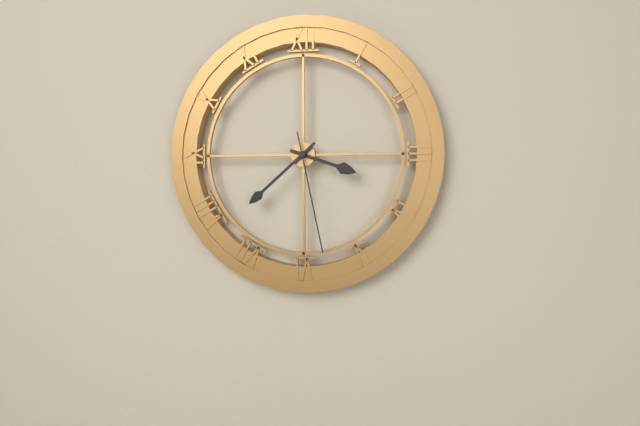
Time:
**3:38:28**
